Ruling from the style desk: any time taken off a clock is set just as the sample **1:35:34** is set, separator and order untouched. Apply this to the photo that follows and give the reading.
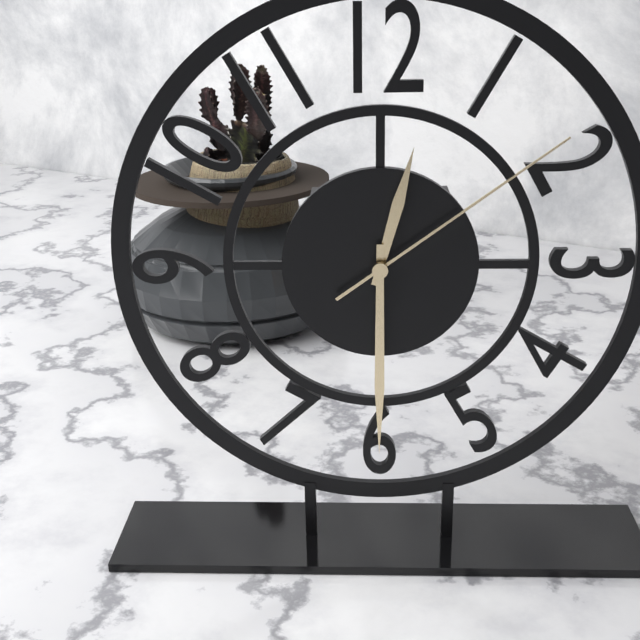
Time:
**12:30:09**
